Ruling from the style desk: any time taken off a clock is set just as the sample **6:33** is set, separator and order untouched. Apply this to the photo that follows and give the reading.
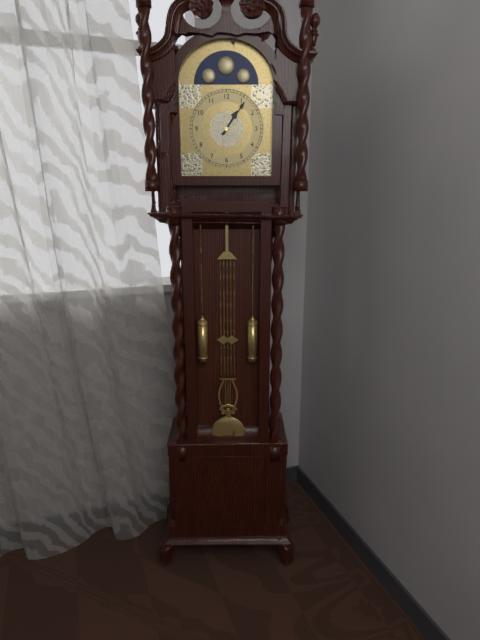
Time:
**1:06**
